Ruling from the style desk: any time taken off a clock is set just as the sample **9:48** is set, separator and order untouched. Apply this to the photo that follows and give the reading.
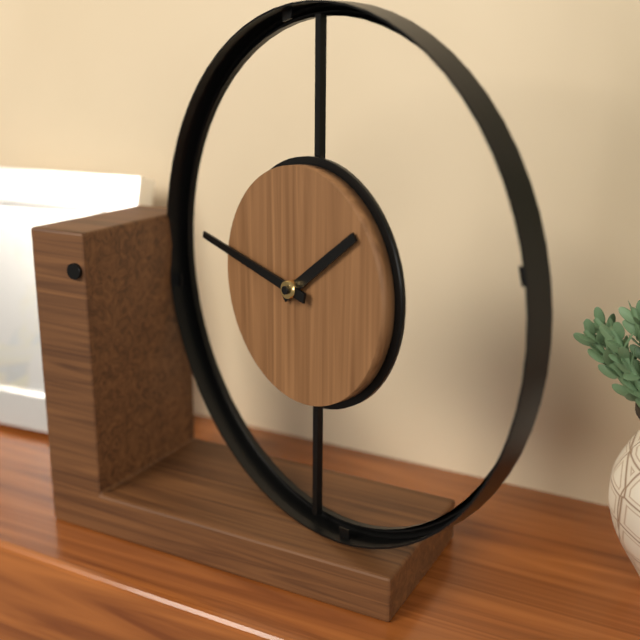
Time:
**1:47**
